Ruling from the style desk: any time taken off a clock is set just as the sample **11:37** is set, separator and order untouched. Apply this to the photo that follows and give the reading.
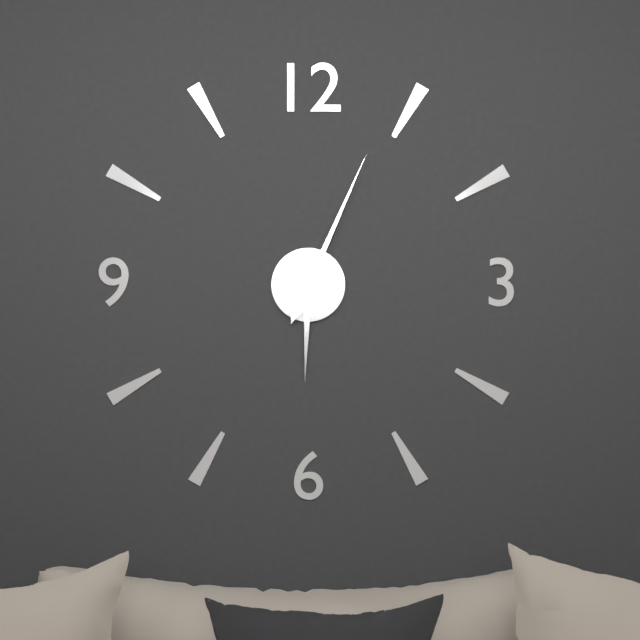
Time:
**6:04**
